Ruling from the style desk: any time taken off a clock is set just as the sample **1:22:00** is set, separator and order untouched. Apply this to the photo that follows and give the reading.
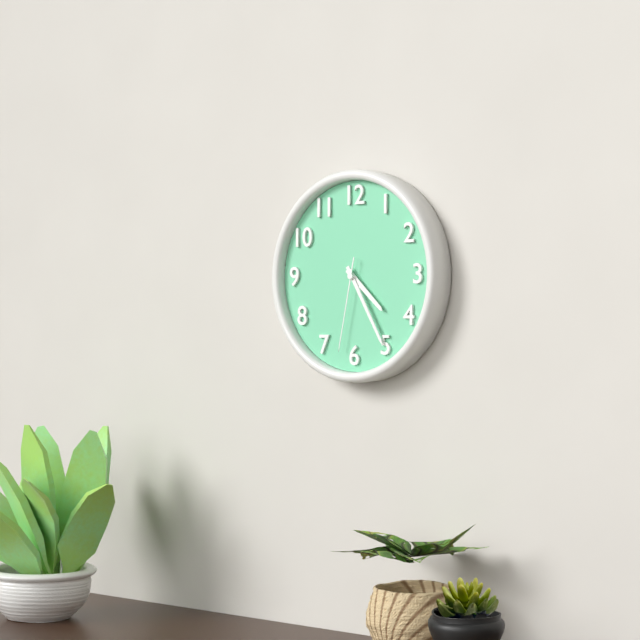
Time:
**4:25:32**
